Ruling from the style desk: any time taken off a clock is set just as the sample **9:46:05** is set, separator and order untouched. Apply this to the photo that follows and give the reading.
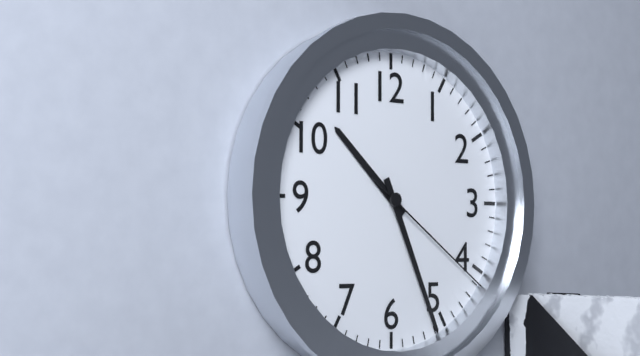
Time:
**10:26:21**
